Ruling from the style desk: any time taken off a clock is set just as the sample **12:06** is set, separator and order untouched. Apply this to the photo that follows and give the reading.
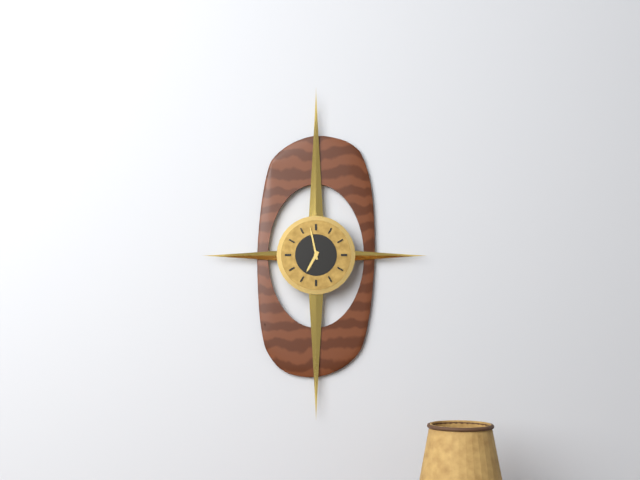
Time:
**6:58**
